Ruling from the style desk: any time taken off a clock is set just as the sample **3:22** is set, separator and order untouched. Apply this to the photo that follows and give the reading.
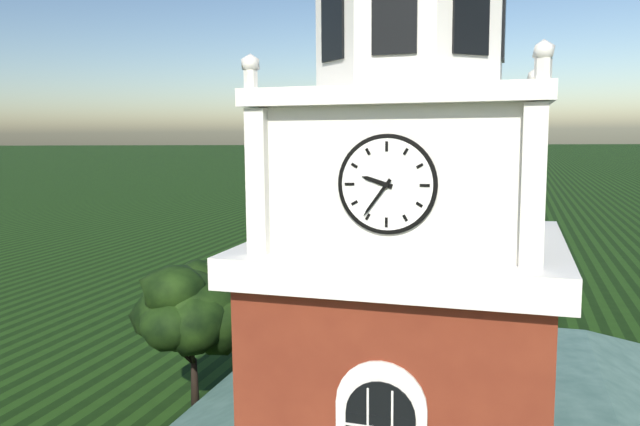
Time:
**9:36**
